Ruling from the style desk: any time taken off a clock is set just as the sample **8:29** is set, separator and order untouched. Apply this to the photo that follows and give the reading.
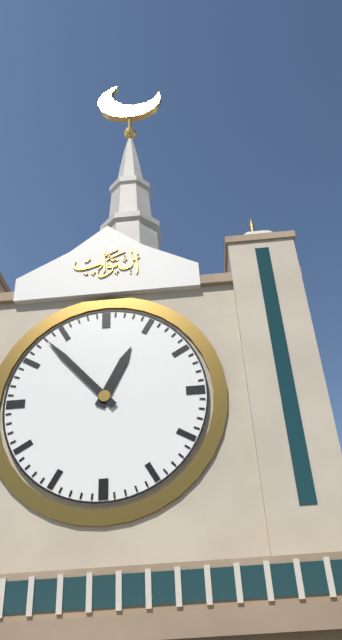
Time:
**12:53**
